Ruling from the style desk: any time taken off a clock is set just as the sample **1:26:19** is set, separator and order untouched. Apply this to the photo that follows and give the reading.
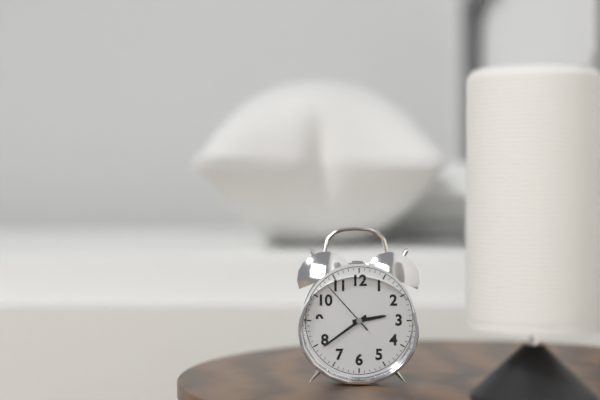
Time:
**2:39:53**
